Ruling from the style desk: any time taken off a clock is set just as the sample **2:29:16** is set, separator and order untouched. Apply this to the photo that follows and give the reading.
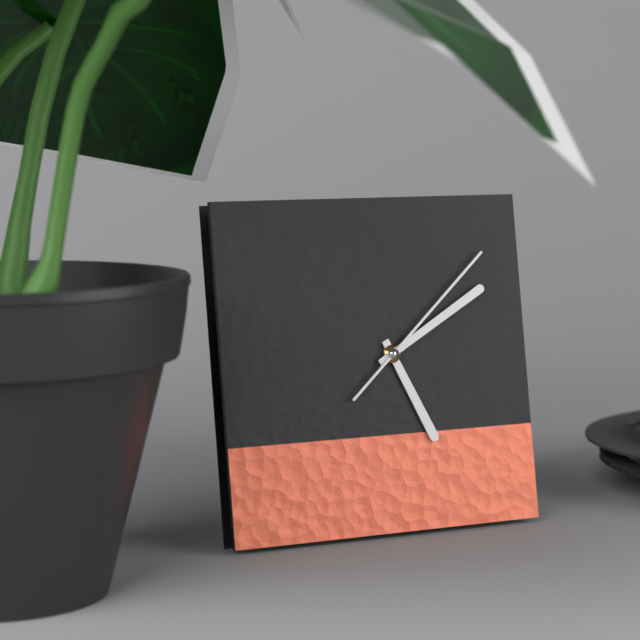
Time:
**5:10:08**
